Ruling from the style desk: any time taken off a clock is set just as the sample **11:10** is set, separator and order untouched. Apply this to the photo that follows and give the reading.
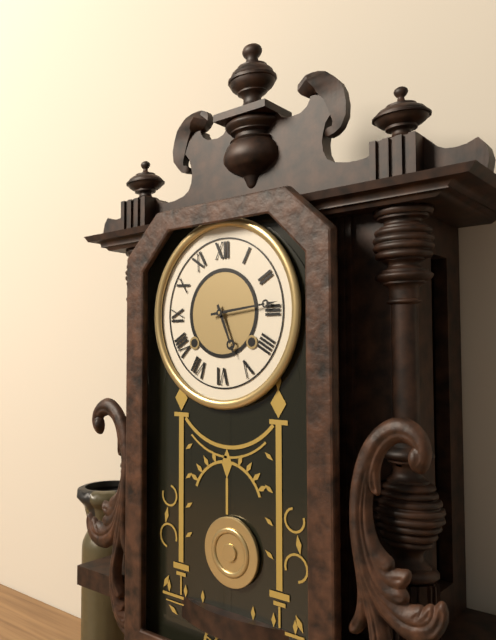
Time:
**5:14**
